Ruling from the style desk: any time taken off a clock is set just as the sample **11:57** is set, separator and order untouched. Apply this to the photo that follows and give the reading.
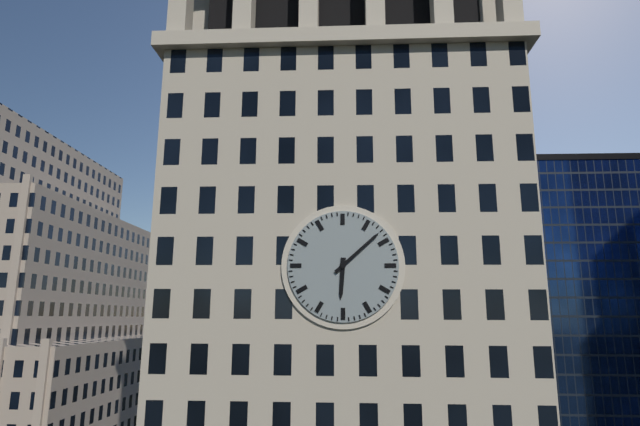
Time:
**6:08**
